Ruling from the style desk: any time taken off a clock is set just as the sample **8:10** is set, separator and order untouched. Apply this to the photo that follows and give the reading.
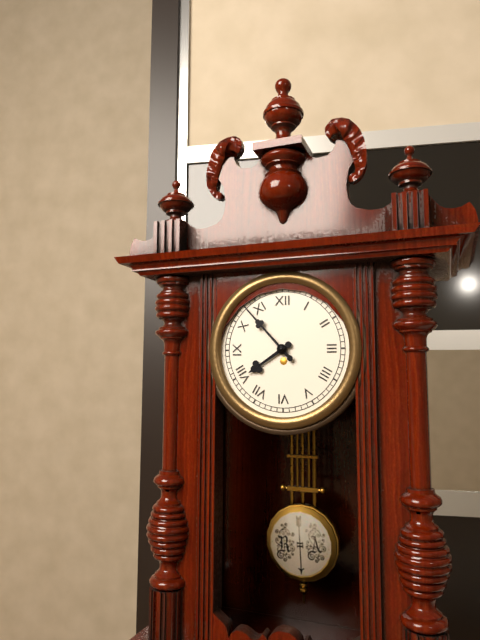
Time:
**7:53**
